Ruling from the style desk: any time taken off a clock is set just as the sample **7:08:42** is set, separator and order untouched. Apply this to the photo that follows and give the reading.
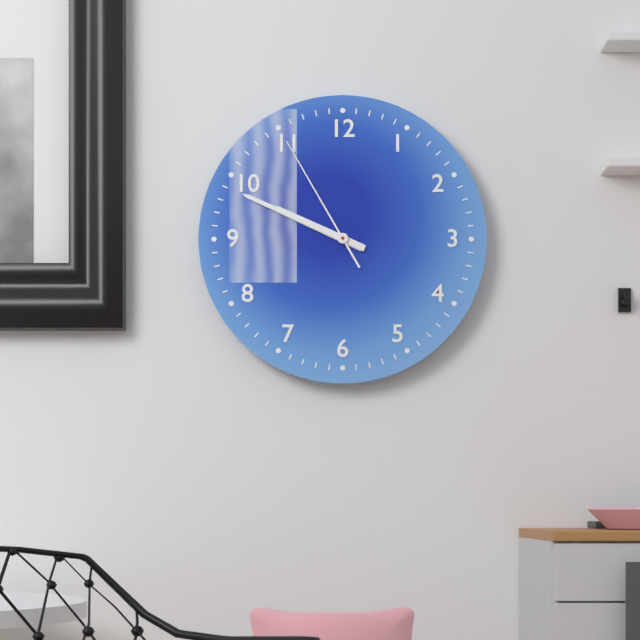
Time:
**9:49:55**
